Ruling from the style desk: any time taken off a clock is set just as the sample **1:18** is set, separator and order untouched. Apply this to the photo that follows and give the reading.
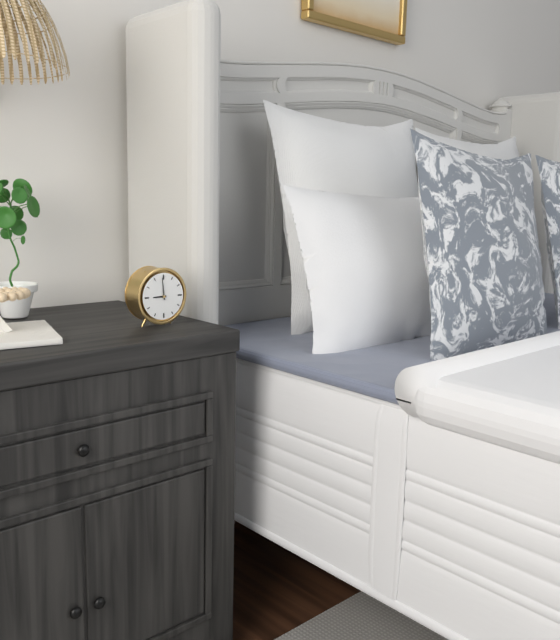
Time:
**8:59**
